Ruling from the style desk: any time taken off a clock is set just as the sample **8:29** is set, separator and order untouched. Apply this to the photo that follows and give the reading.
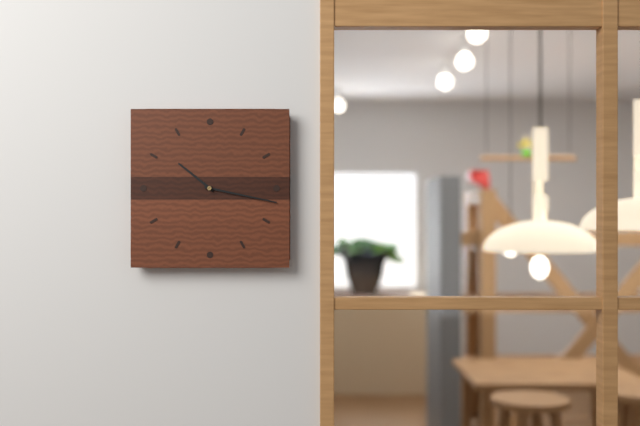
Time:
**10:17**
